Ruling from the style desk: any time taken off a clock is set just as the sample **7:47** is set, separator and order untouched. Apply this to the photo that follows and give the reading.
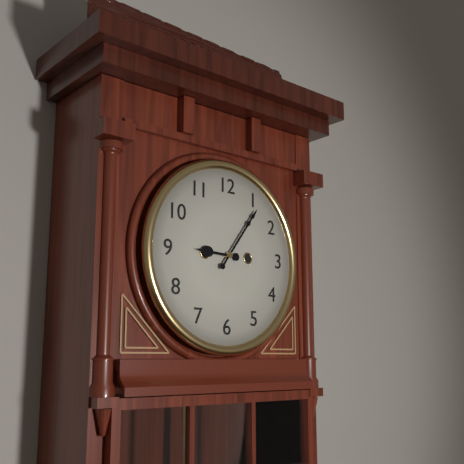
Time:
**9:06**
